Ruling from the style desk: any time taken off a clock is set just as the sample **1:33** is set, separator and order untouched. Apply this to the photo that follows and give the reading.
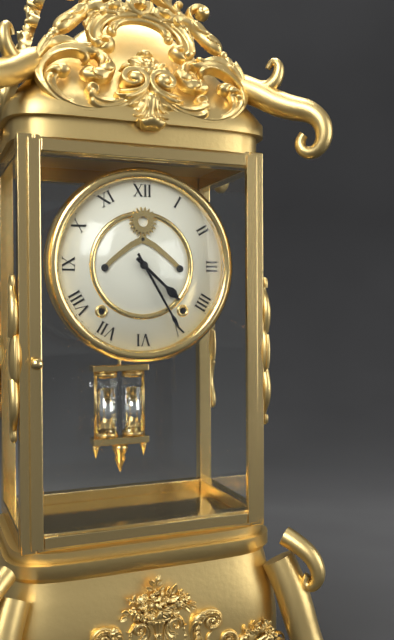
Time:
**4:25**
